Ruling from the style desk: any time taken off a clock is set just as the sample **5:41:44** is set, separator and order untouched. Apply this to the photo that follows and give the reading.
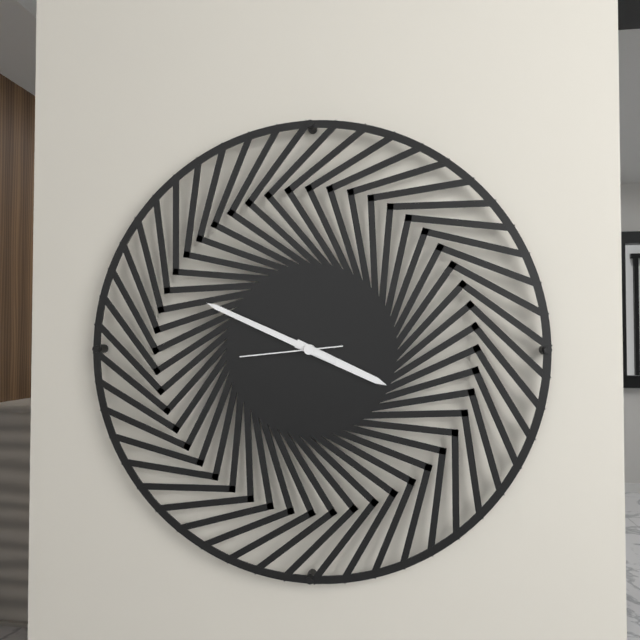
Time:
**3:49:44**
